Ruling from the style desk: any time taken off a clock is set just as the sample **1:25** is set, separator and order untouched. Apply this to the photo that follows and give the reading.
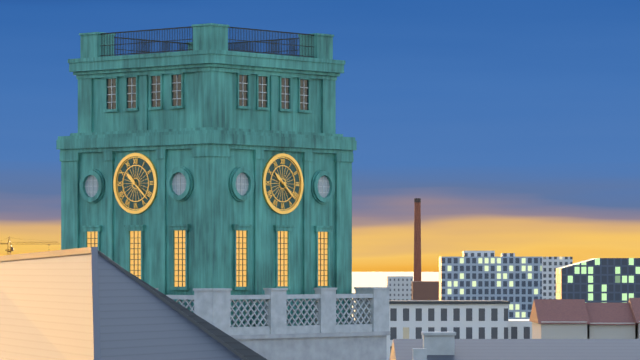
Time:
**10:22**
